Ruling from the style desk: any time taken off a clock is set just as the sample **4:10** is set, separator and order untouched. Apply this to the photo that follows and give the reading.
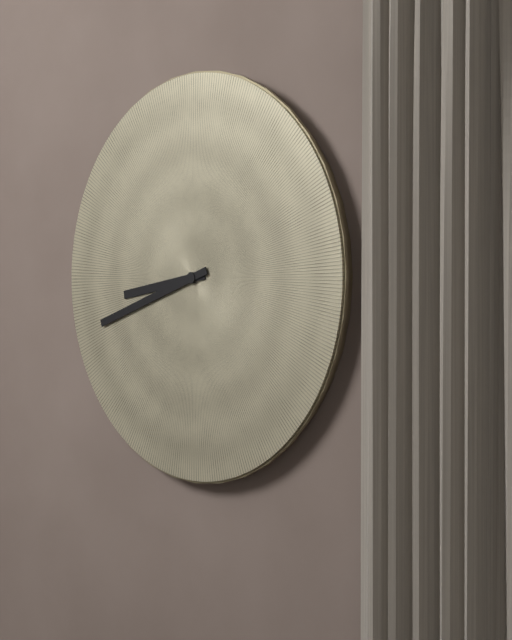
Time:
**8:42**
